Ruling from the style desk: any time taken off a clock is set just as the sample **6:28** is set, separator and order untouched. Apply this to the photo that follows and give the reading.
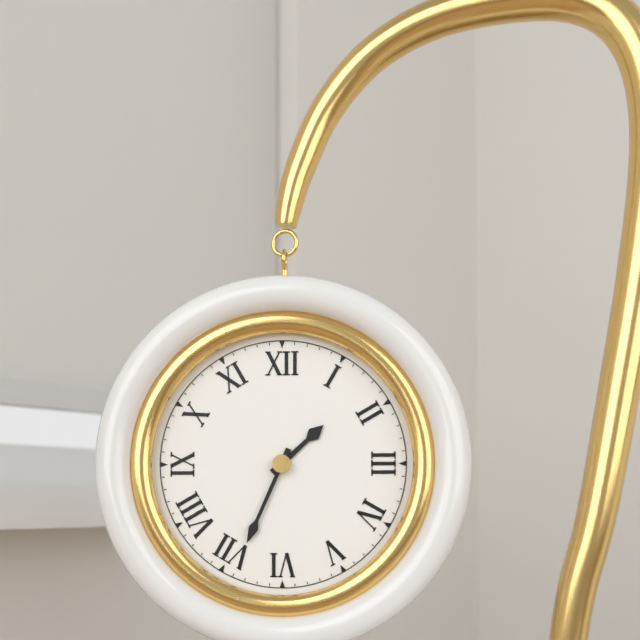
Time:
**1:34**
